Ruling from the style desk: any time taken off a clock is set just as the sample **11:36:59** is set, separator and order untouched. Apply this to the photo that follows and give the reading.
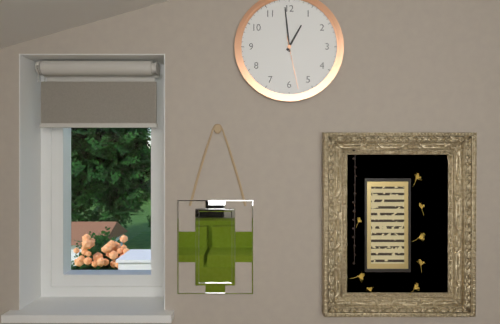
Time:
**12:59:28**
